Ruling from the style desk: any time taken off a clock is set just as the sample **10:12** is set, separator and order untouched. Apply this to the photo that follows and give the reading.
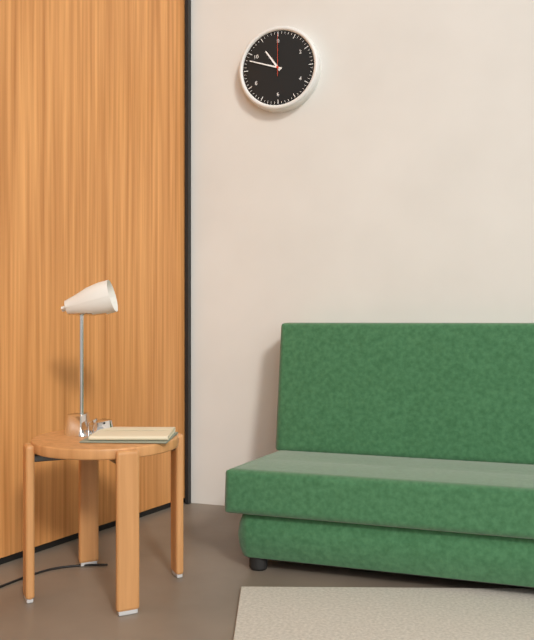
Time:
**10:48**
